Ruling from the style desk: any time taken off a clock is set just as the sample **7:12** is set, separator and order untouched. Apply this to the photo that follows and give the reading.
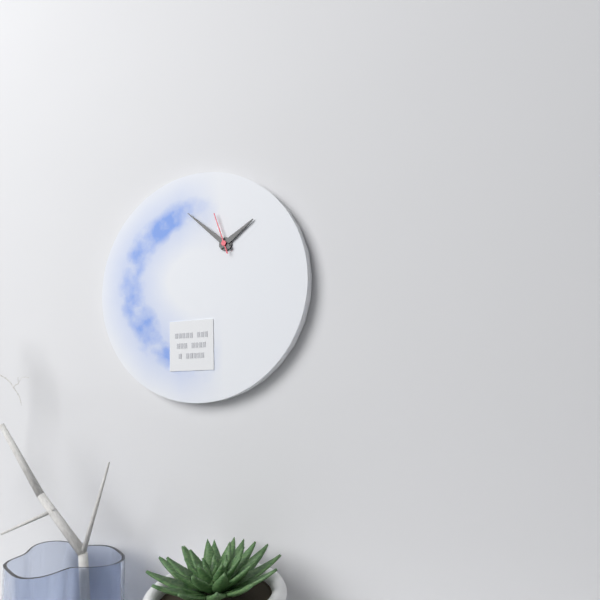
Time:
**1:52**
